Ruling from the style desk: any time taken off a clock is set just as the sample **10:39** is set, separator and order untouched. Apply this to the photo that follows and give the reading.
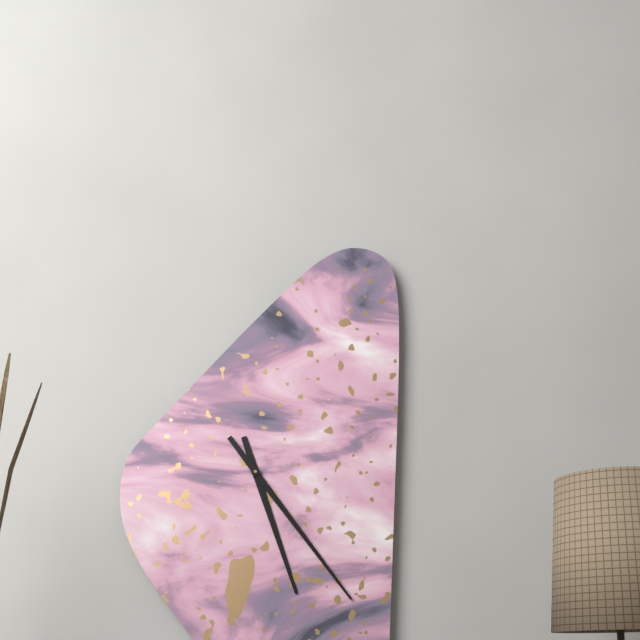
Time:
**5:24**
